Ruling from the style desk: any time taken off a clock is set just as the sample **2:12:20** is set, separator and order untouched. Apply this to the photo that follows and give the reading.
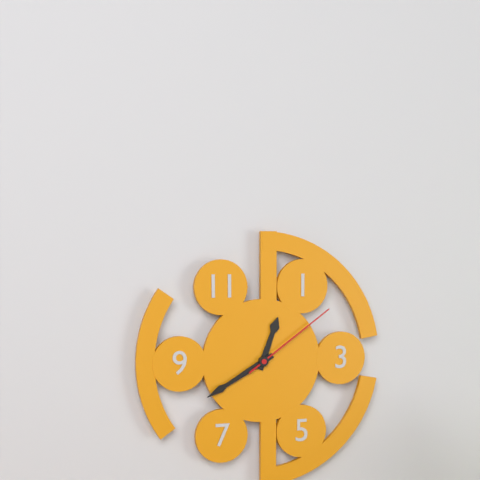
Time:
**12:40:09**
